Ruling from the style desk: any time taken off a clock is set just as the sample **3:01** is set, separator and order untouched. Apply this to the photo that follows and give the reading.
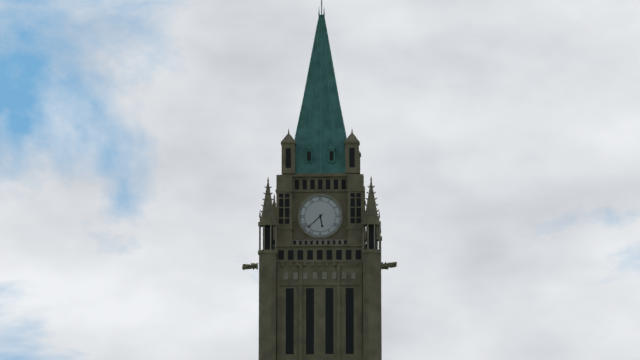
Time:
**5:38**
